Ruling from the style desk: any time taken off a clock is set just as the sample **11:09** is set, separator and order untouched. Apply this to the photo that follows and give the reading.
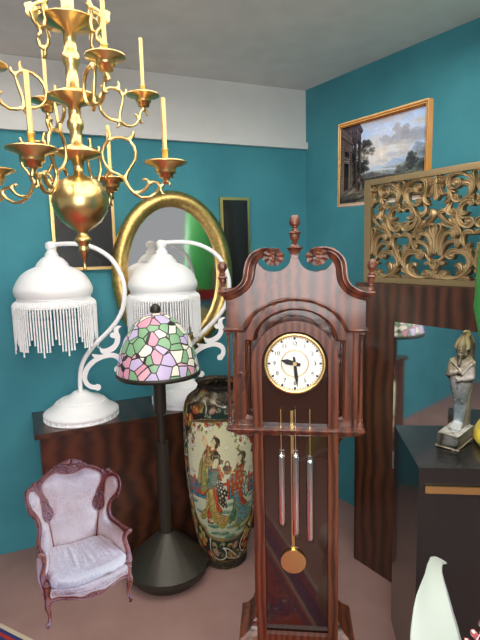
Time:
**9:29**
